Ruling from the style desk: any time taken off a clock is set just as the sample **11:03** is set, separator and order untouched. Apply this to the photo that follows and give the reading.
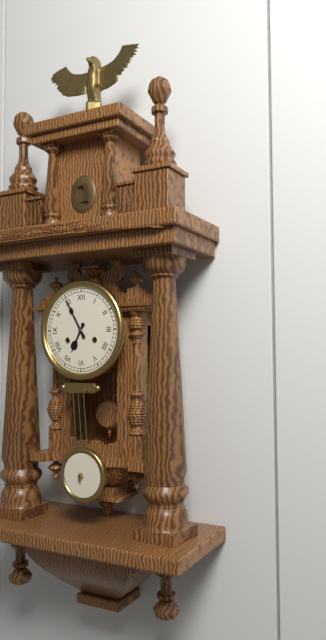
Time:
**6:55**
